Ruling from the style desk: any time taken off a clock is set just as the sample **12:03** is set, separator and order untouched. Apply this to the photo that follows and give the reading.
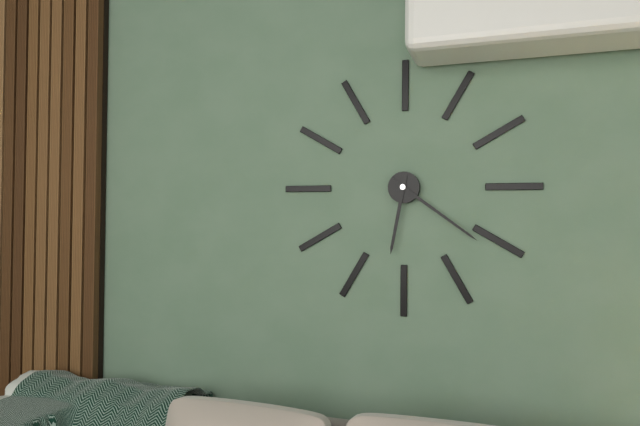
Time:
**6:21**
